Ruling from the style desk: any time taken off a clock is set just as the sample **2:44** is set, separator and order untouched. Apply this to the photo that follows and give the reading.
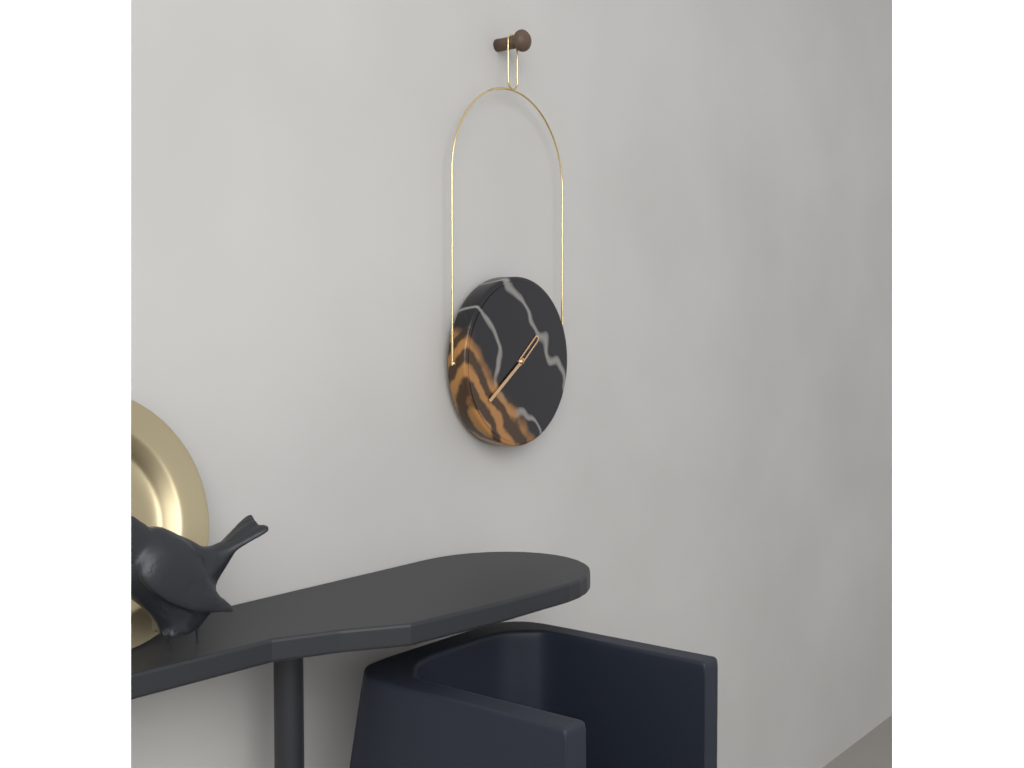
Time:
**1:39**
